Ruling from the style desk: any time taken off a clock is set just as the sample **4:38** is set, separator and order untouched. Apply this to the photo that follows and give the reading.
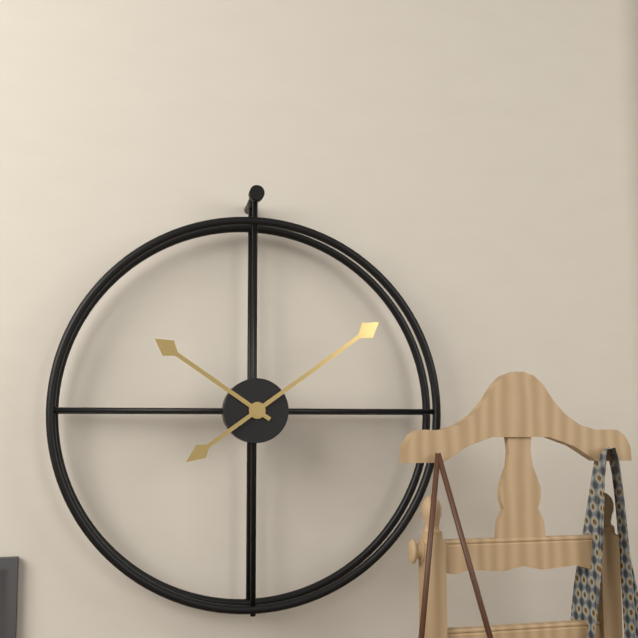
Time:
**10:09**
